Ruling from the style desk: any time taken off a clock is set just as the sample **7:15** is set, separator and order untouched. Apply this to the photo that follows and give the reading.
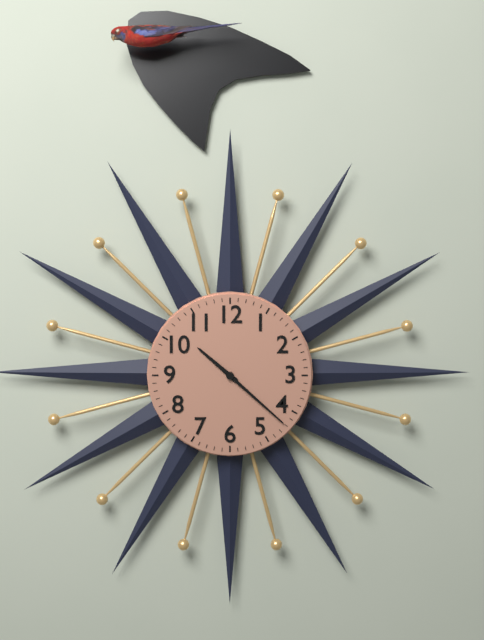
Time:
**10:22**
